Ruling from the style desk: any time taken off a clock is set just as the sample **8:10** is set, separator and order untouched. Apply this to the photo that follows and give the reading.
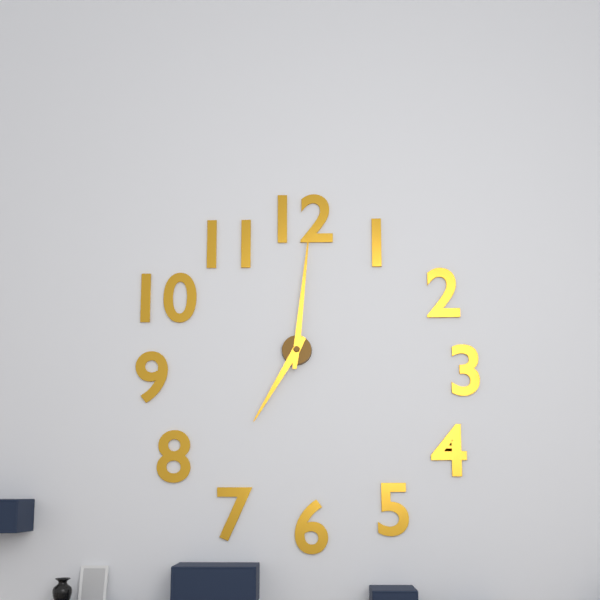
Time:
**7:01**
